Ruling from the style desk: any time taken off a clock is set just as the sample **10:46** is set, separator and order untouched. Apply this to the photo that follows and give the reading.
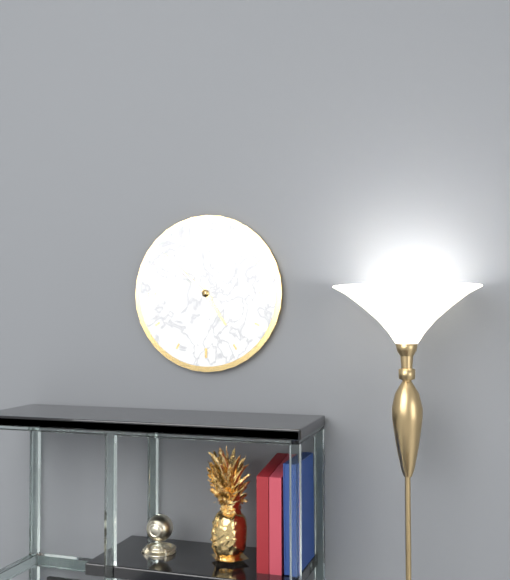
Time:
**4:52**
